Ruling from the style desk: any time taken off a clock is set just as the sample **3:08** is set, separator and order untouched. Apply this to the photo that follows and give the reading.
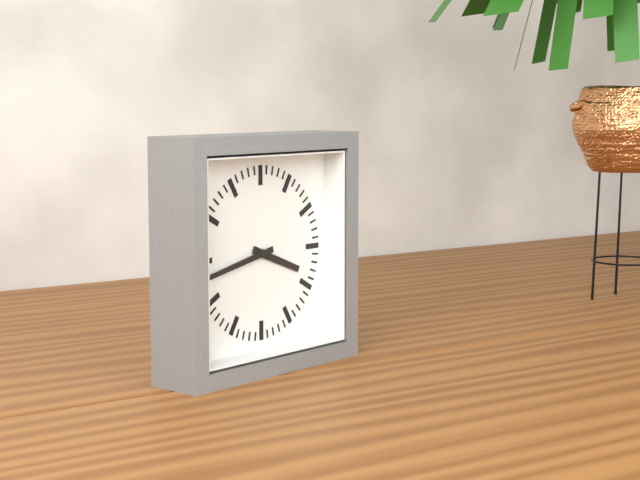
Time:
**3:43**
